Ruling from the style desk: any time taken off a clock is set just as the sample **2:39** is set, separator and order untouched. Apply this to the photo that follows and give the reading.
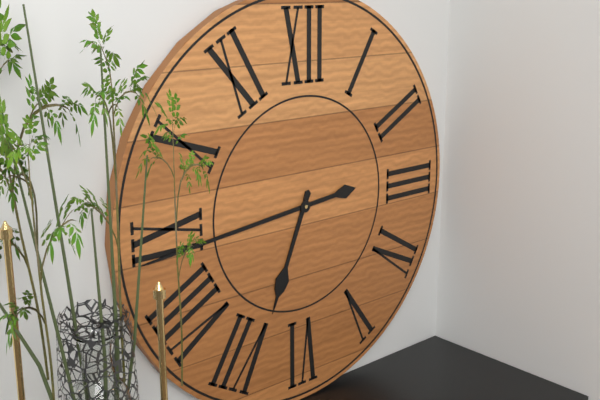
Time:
**6:44**
